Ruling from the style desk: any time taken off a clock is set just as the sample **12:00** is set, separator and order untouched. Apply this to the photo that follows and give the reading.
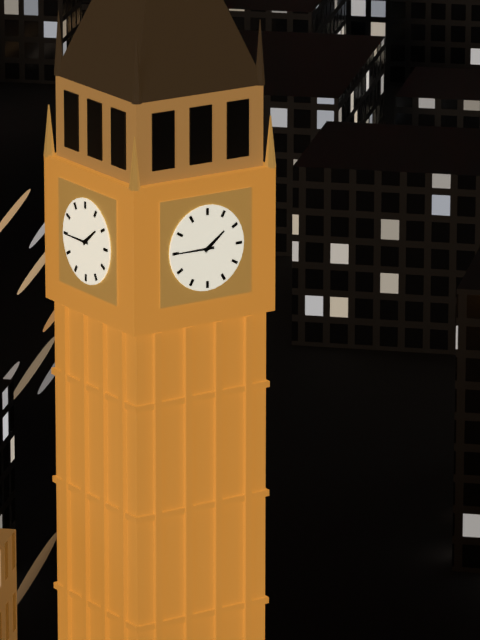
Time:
**1:45**
